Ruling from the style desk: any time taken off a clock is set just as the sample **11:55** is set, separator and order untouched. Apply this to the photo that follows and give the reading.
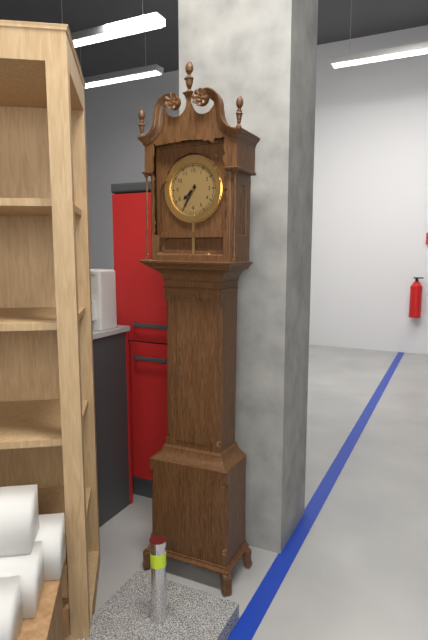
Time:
**7:35**
